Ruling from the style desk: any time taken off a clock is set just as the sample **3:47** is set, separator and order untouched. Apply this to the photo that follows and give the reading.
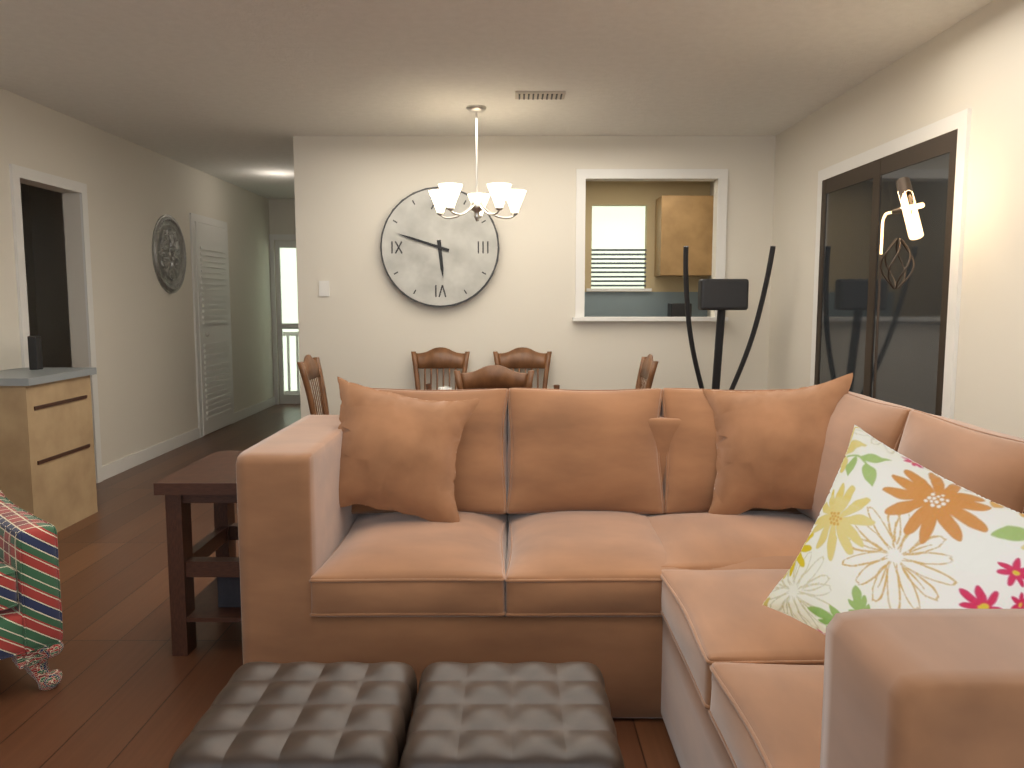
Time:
**5:48**
